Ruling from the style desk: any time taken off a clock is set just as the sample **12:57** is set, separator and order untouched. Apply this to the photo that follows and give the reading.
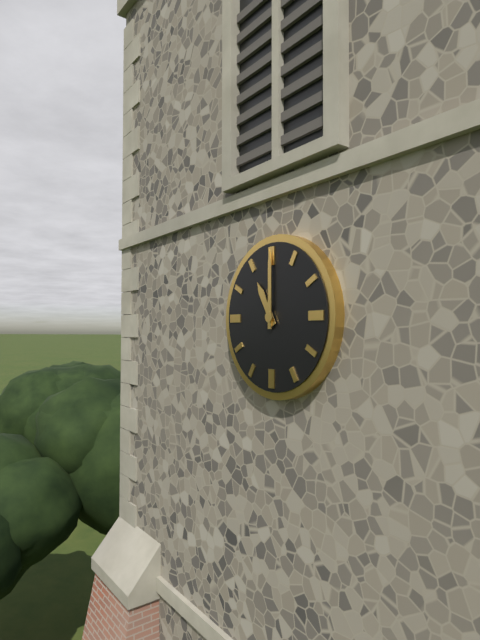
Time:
**11:00**
